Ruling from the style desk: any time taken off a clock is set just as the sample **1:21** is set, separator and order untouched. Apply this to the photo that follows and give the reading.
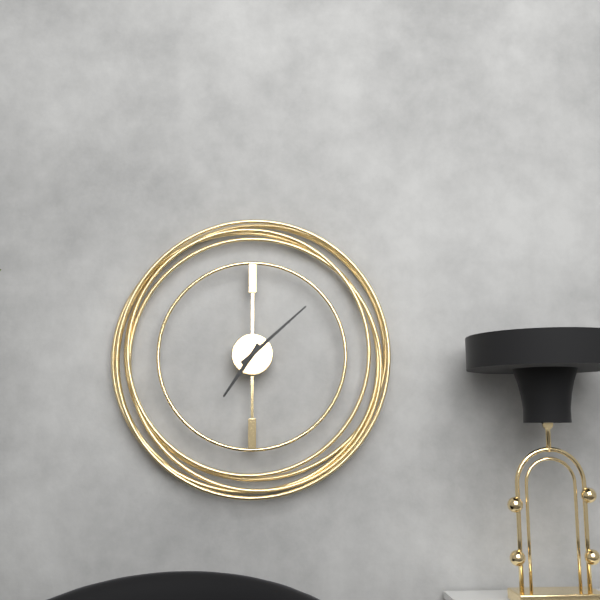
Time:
**7:08**
